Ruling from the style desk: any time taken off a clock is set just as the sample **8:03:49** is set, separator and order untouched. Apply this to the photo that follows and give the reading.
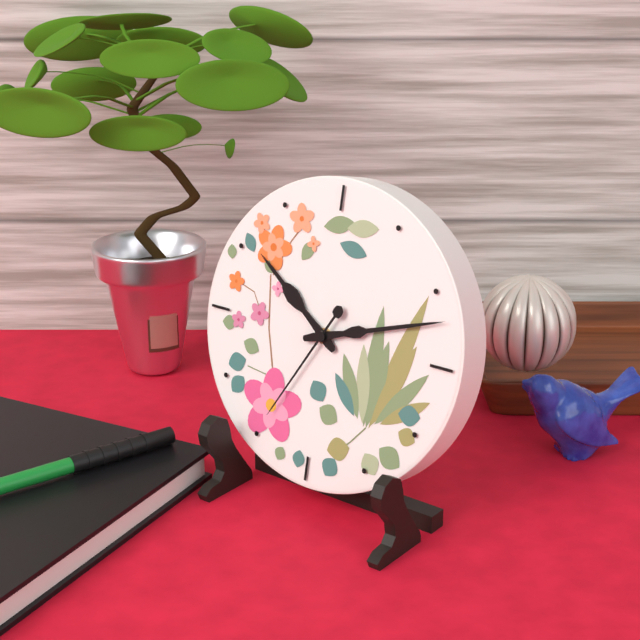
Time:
**10:12:35**
